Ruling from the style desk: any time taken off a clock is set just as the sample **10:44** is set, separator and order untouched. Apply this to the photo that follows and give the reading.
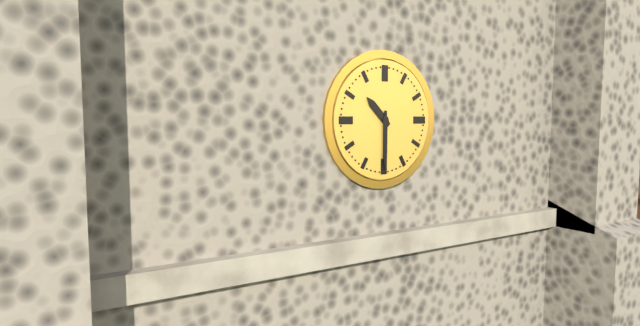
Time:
**10:30**
